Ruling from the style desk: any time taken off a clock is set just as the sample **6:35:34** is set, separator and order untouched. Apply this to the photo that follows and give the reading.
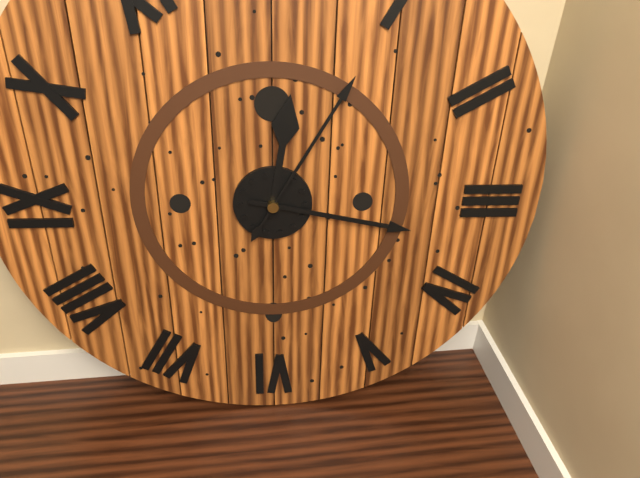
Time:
**12:17:05**
